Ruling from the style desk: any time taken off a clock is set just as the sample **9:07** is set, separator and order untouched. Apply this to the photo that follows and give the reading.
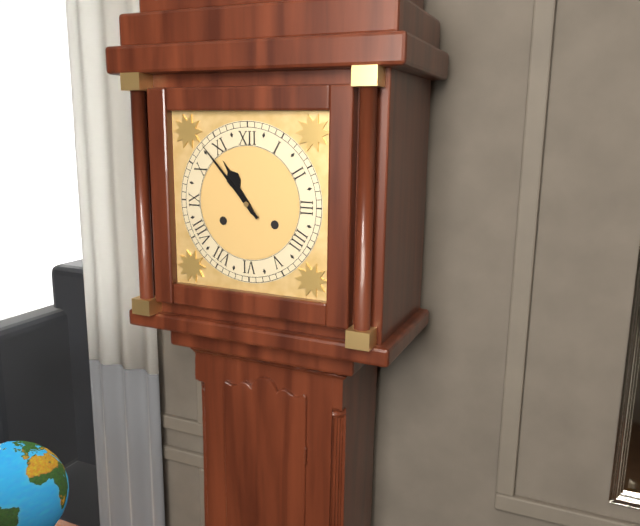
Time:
**10:53**
